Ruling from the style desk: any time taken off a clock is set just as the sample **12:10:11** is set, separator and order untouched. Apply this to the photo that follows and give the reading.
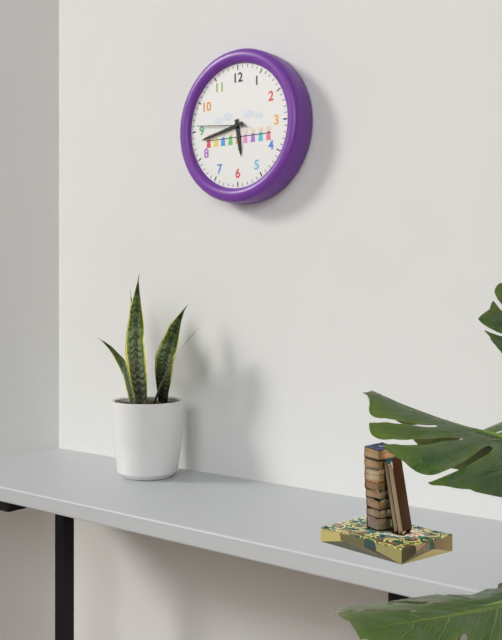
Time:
**5:43:46**
